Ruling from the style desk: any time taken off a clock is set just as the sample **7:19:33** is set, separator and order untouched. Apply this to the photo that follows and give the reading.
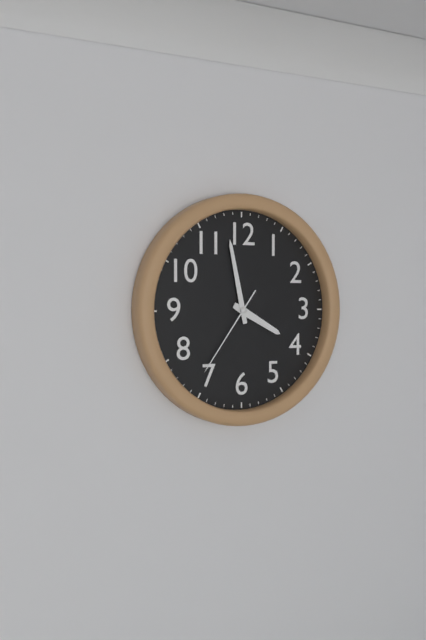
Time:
**3:58:36**
